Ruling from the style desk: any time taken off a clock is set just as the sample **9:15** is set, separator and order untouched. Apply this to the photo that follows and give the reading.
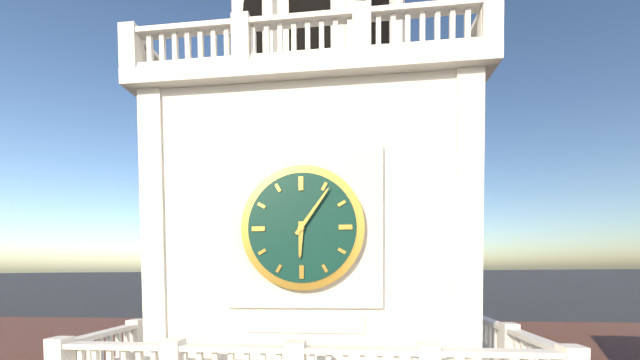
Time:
**6:06**
